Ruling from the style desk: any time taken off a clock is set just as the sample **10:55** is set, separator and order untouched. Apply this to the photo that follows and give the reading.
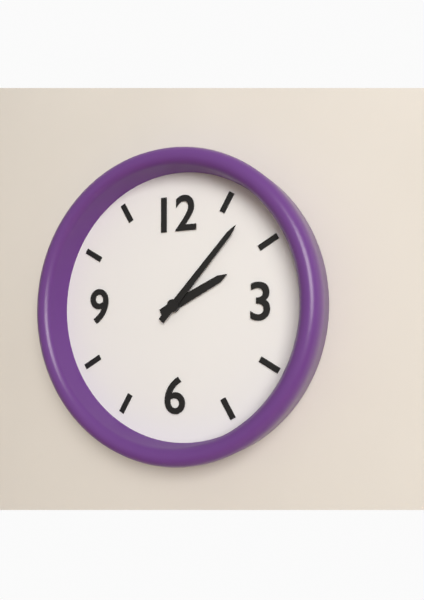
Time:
**2:07**
